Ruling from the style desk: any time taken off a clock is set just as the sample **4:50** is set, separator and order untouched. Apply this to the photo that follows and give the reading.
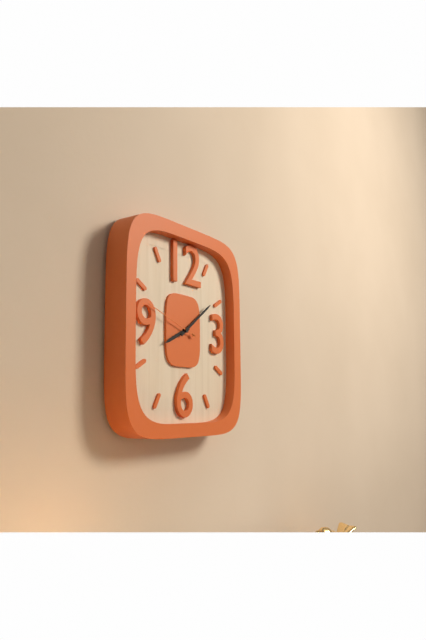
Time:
**8:09**
